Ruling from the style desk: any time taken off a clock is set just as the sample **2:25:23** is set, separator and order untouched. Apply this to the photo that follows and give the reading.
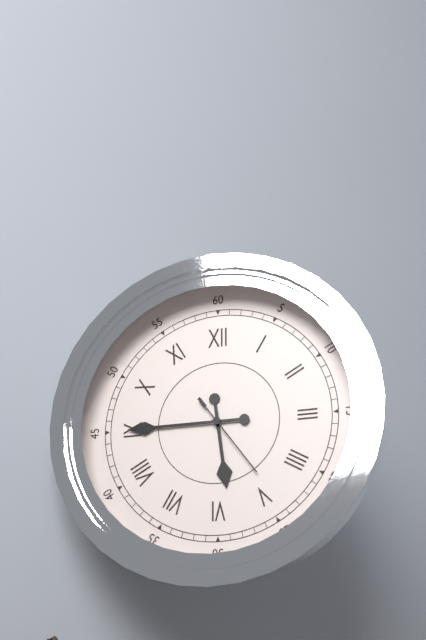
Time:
**5:45:24**
